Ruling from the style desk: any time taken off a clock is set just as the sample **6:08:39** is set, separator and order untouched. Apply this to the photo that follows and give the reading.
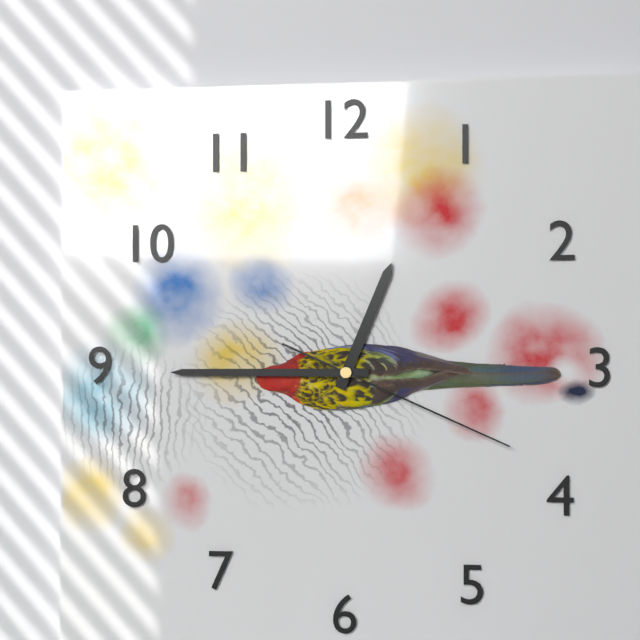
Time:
**12:45:19**
